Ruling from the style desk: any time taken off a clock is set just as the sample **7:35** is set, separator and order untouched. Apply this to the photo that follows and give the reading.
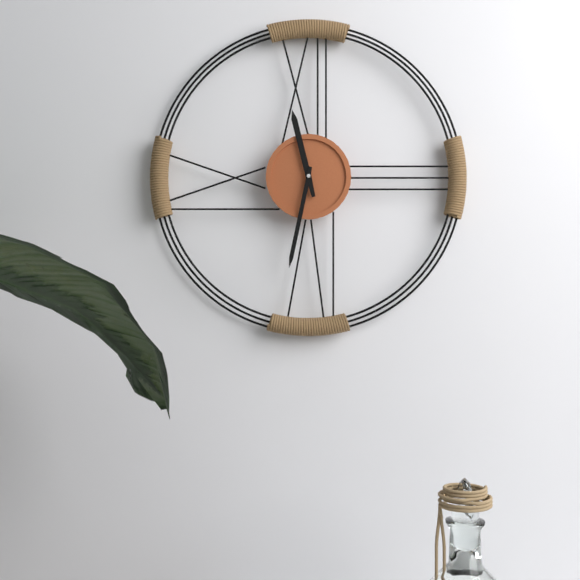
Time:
**11:32**
